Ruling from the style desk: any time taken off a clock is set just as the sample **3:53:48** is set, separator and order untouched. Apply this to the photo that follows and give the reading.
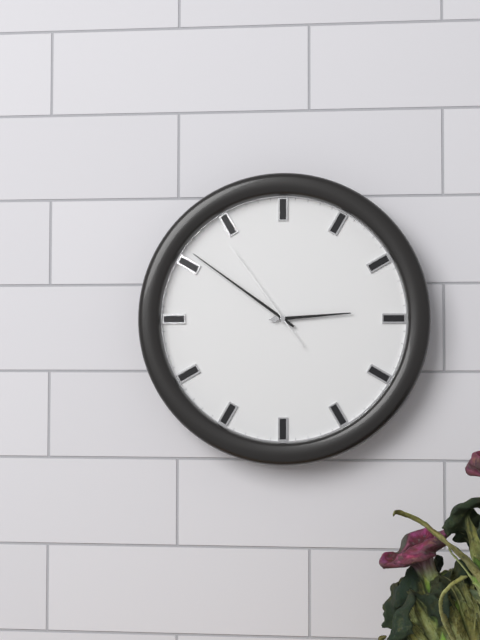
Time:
**2:51:54**
